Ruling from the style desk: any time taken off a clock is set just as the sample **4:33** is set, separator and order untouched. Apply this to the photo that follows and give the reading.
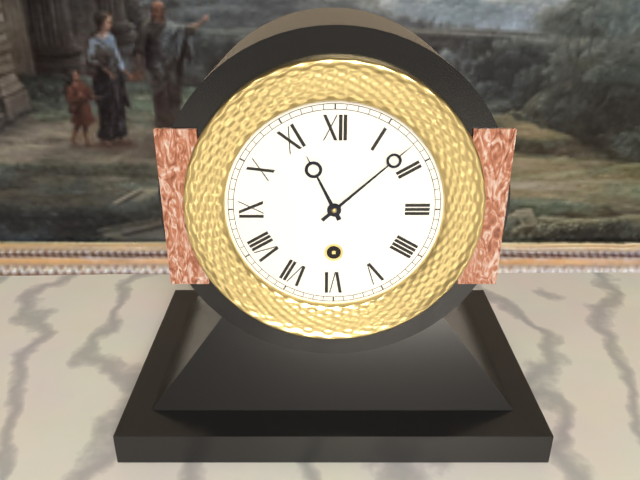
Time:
**11:08**
